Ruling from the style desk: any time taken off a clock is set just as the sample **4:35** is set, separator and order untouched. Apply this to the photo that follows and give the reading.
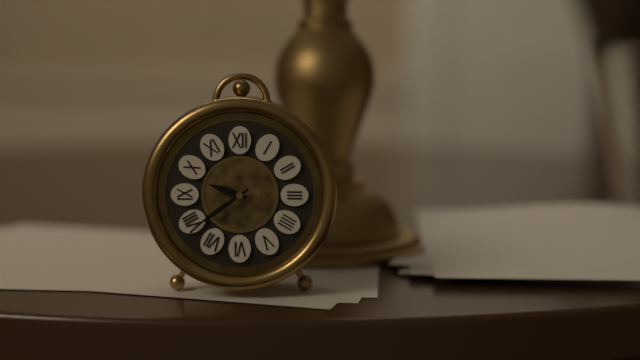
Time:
**9:39**
